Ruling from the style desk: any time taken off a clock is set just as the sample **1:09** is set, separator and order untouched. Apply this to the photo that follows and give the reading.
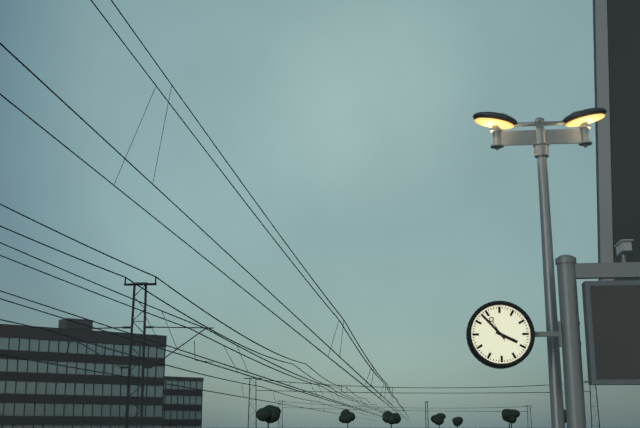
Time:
**3:53**
